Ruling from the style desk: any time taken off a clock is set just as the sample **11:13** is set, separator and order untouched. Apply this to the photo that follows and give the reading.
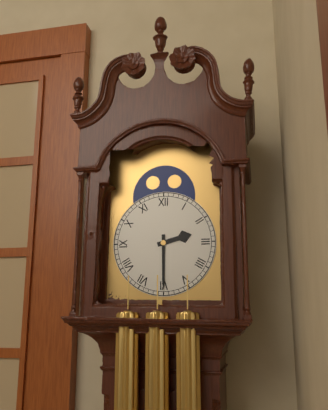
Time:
**2:30**
